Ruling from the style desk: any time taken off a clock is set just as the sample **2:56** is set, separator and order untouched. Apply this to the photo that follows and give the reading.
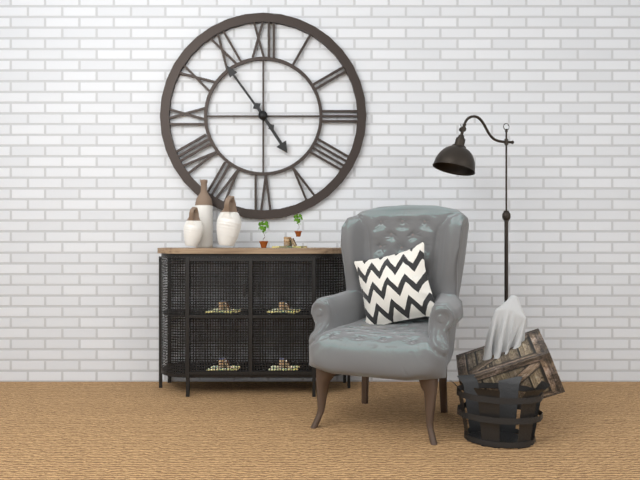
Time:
**4:54**
